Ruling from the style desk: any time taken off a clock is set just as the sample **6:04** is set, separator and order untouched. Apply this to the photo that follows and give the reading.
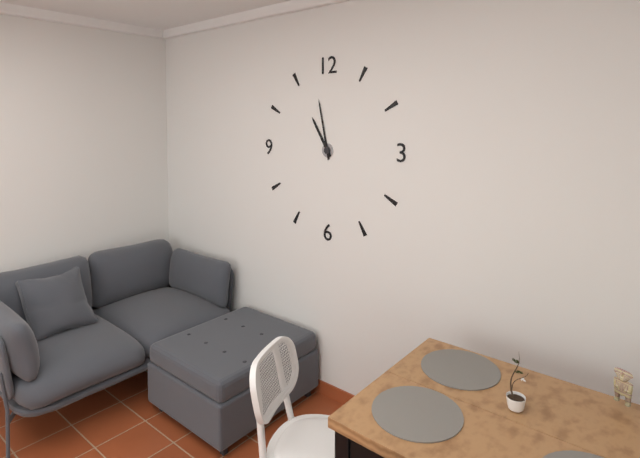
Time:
**10:58**
